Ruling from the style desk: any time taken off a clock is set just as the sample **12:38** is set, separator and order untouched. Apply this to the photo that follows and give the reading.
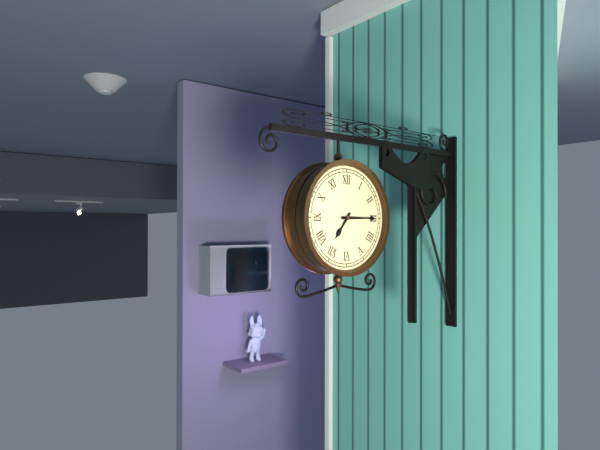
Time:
**7:15**
